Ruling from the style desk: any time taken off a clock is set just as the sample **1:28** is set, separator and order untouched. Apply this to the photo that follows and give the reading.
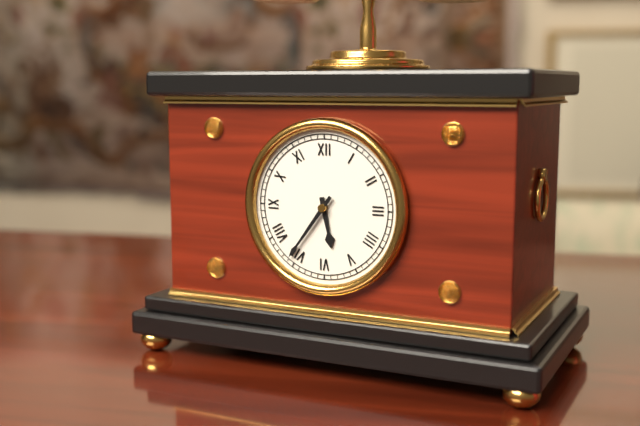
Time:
**5:36**
